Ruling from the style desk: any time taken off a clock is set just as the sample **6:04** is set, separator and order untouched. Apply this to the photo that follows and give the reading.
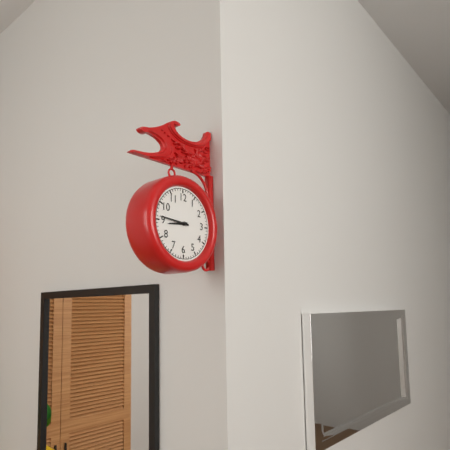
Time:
**8:46**
